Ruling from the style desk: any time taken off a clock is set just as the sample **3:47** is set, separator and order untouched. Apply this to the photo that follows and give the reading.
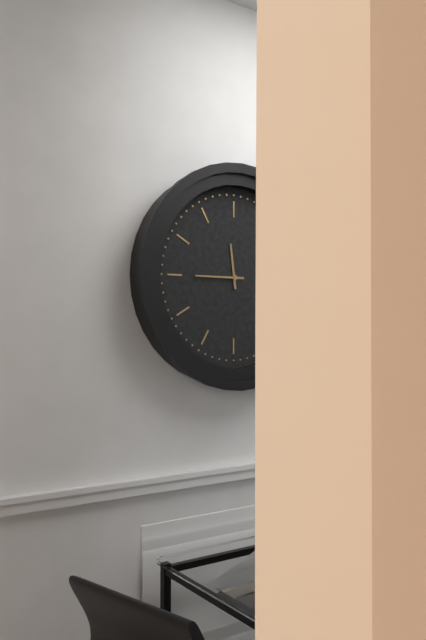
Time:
**11:45**
